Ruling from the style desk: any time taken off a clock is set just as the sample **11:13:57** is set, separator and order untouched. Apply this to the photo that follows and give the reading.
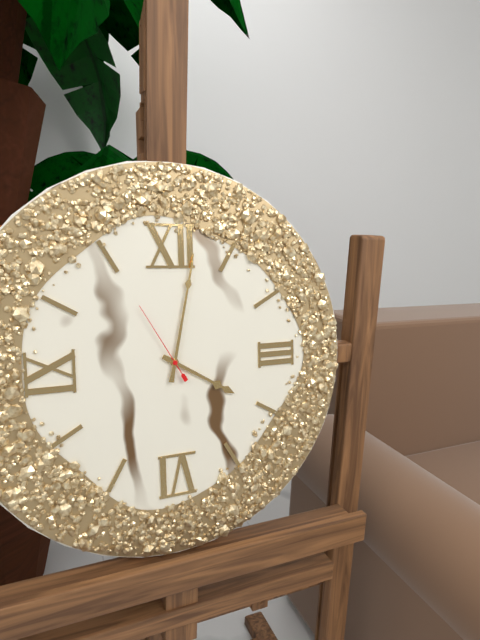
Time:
**4:02:55**
